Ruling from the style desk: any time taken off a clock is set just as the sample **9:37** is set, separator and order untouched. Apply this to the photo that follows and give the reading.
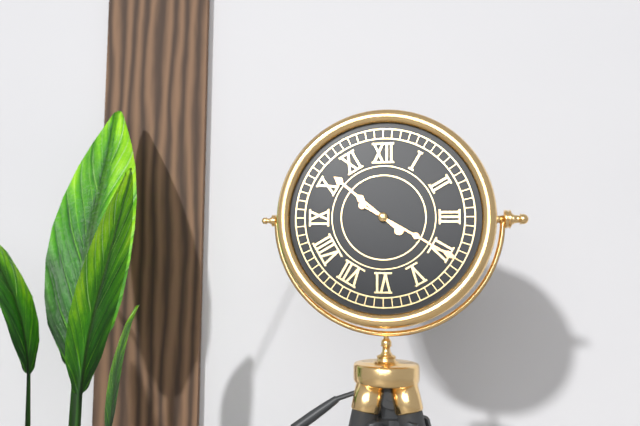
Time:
**10:20**
